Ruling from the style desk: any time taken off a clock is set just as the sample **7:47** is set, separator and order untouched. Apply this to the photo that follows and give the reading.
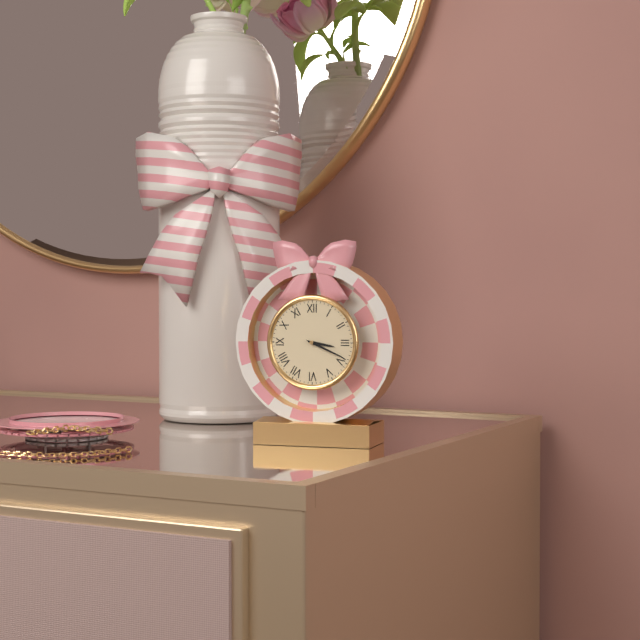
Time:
**3:19**
